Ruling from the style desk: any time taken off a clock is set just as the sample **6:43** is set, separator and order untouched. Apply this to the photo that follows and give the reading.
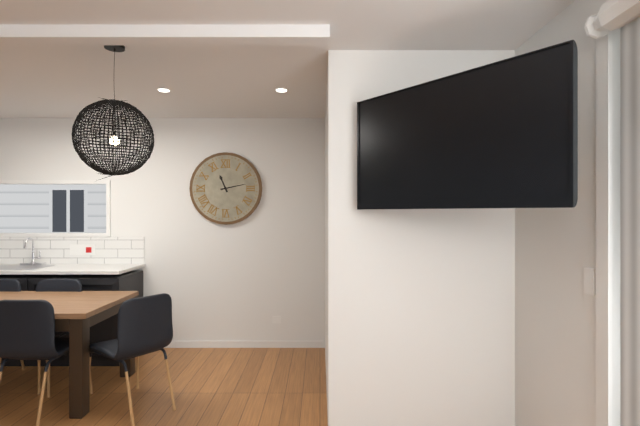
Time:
**11:13**
